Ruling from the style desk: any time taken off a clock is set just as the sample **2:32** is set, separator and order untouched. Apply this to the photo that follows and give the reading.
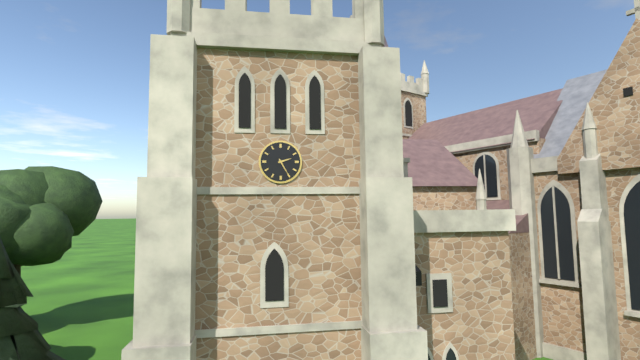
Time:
**2:25**
